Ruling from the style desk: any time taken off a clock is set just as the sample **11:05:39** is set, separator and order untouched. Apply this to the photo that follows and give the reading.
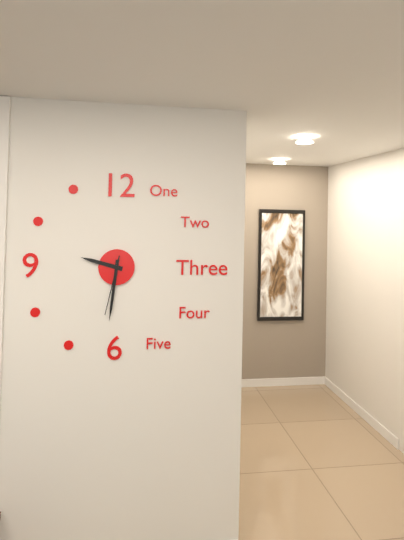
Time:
**9:31:32**
